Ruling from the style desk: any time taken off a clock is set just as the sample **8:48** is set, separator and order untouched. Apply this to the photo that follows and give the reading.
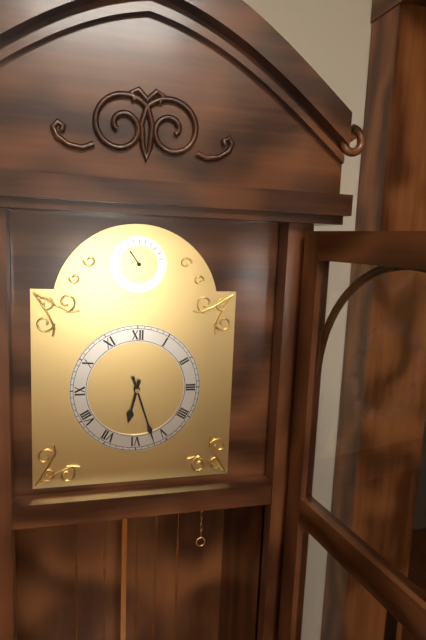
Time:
**6:27**
